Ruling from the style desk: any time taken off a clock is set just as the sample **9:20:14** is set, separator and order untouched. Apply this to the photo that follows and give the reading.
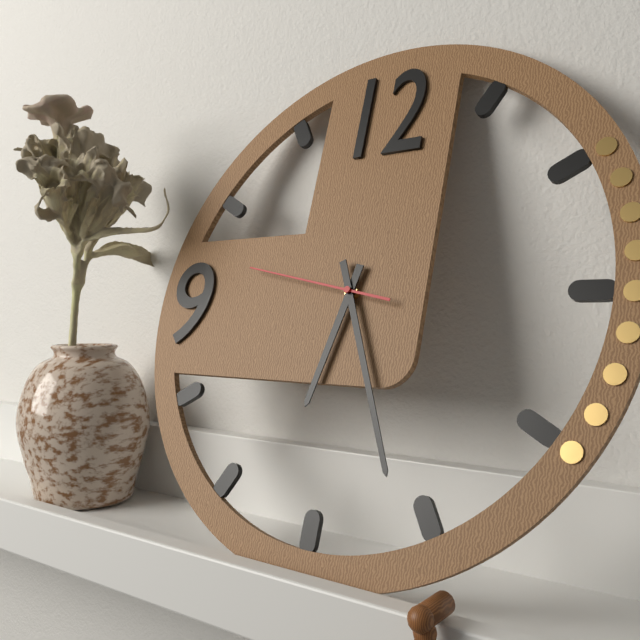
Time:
**6:26:47**
